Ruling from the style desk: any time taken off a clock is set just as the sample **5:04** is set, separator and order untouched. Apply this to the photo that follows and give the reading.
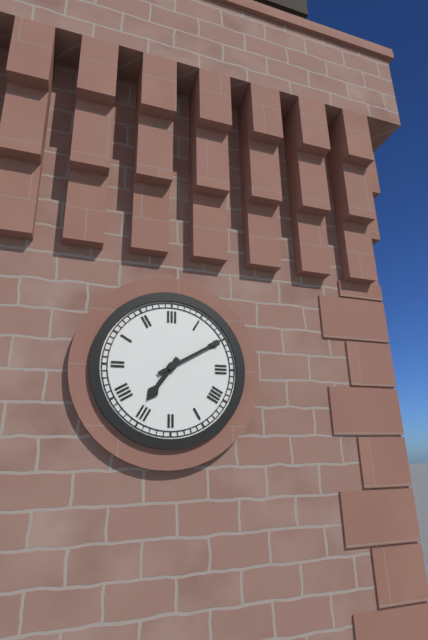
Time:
**7:10**
